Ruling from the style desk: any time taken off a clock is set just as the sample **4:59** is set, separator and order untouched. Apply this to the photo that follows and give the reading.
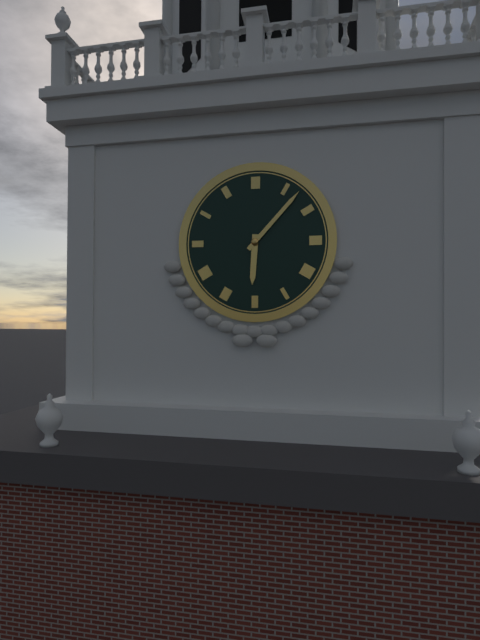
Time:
**6:07**
